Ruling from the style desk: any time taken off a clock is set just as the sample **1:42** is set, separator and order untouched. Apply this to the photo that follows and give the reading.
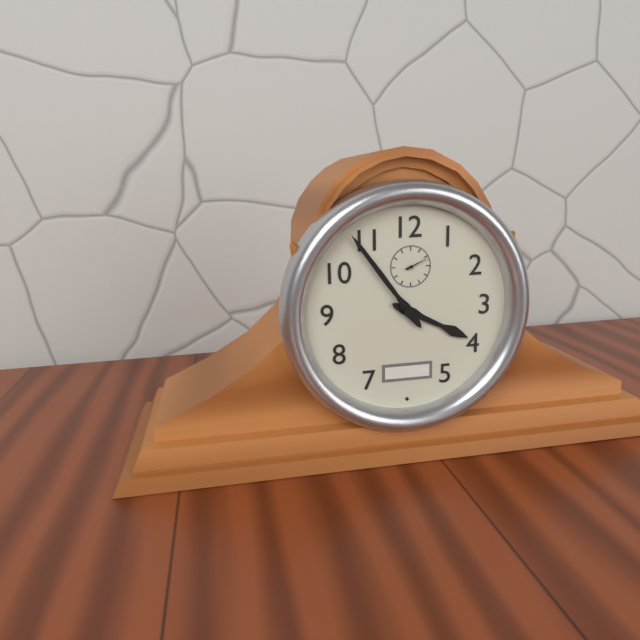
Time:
**3:54**
